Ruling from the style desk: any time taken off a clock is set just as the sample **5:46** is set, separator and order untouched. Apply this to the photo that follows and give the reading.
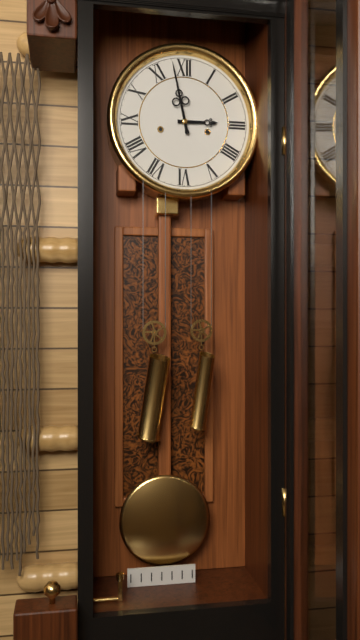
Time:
**2:58**
